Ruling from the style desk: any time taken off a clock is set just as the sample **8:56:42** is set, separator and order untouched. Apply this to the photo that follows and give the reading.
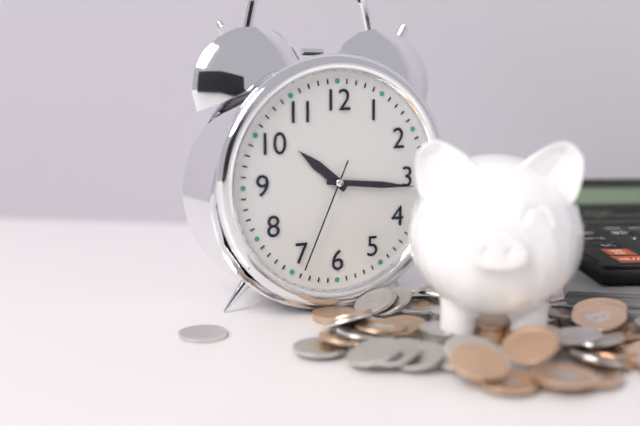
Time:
**10:16:34**
